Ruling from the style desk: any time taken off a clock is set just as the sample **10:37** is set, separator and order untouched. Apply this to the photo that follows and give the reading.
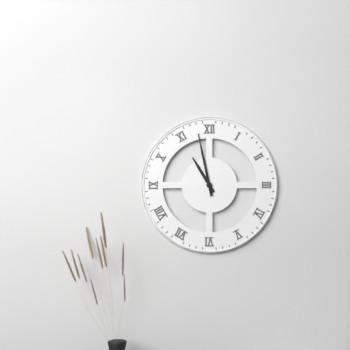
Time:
**10:58**
